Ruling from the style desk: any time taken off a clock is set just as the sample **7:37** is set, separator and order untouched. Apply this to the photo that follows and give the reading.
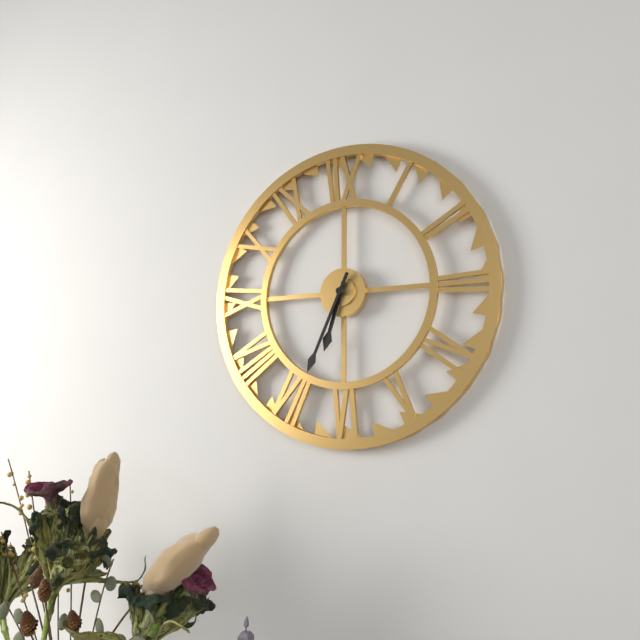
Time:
**6:34**
